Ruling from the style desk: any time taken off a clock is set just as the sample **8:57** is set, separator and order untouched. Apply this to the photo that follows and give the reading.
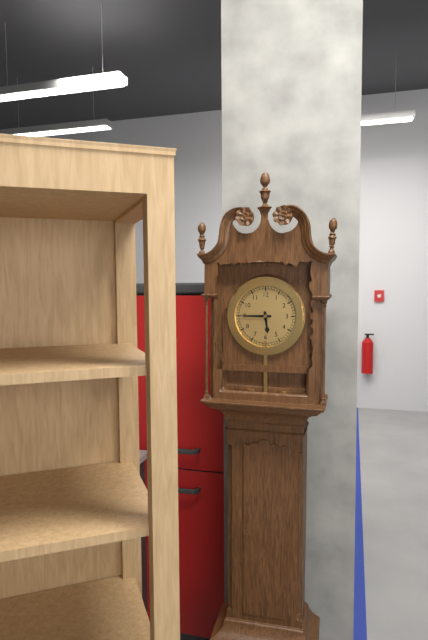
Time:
**5:45**
